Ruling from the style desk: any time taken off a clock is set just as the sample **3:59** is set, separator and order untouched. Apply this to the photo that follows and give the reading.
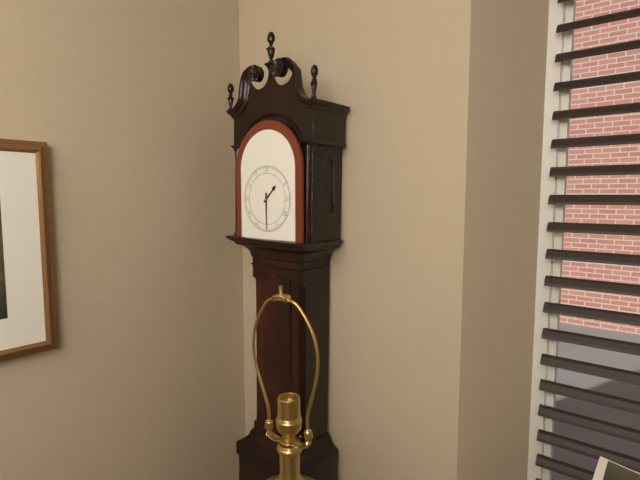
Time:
**1:30**
